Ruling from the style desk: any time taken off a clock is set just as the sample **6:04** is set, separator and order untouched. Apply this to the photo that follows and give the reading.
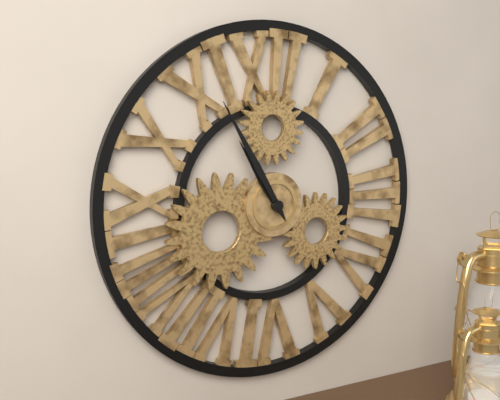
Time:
**10:55**
